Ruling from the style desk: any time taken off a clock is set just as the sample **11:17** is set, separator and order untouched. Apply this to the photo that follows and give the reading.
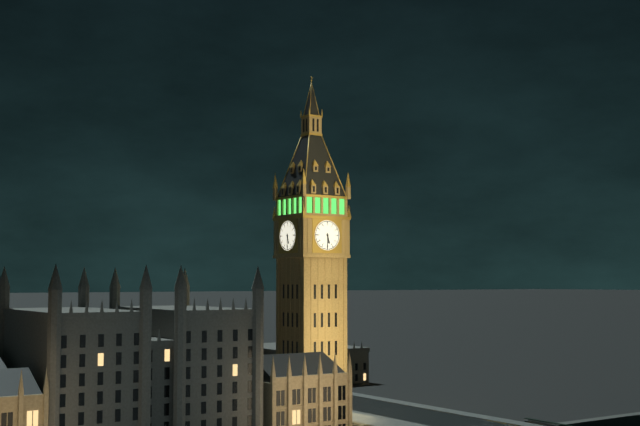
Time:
**5:30**
